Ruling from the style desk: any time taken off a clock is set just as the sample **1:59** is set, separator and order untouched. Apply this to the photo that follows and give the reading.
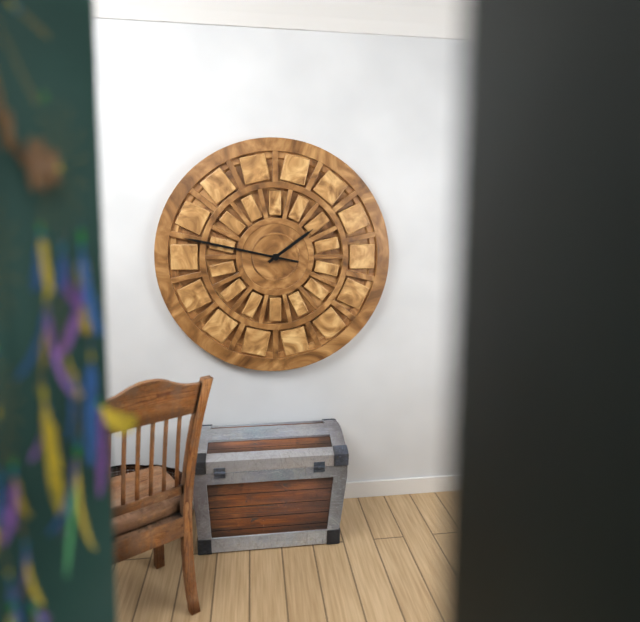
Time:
**1:47**
